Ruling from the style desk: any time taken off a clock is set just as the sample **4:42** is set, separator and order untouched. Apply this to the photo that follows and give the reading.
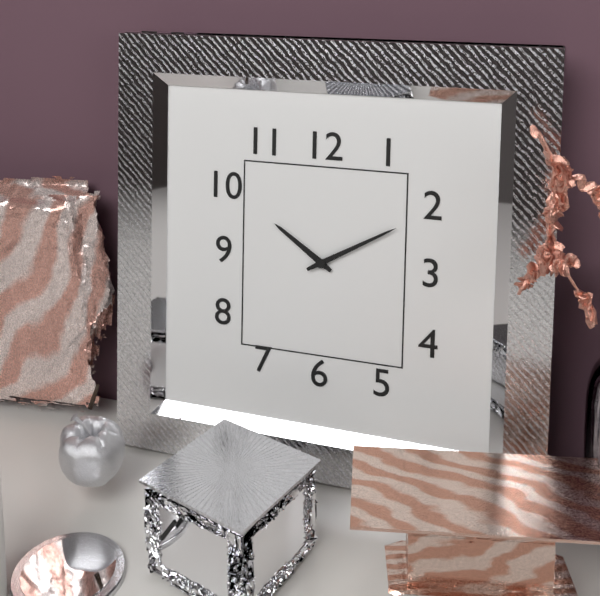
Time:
**10:10**
